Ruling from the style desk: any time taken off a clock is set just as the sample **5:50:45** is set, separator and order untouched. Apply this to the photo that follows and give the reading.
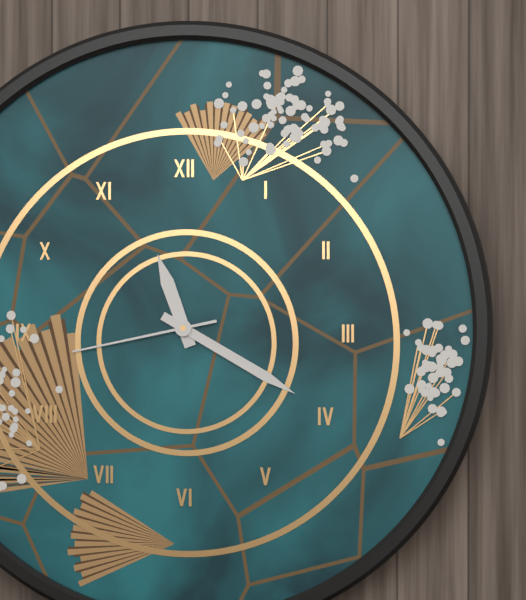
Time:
**11:20:43**
